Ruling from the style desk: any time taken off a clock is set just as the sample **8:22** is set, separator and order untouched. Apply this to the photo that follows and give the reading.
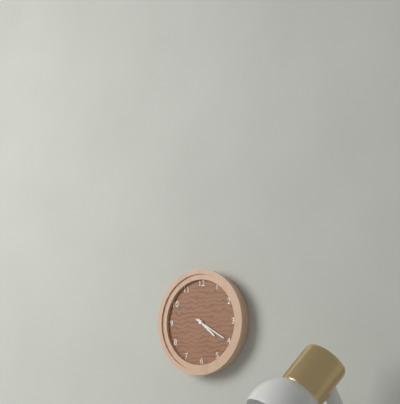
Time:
**4:20**
